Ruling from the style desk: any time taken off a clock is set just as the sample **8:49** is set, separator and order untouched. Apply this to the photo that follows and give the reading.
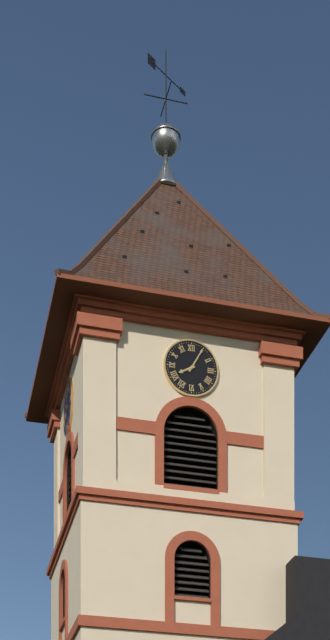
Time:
**8:05**
